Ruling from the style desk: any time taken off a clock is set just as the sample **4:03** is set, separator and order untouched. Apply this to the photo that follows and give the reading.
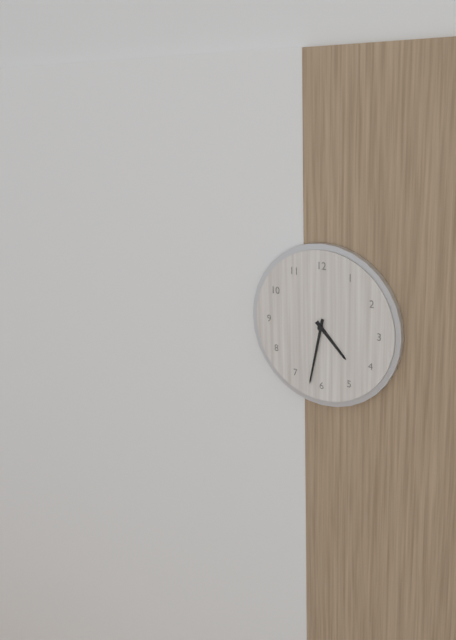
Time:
**4:32**
